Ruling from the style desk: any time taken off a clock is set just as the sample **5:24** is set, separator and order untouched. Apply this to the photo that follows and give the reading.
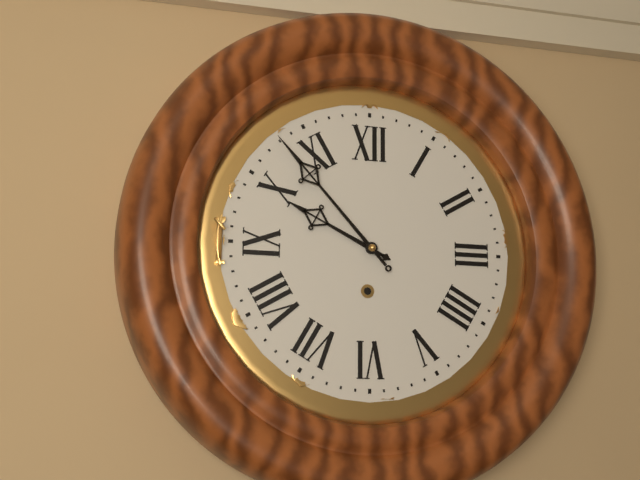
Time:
**9:53**
